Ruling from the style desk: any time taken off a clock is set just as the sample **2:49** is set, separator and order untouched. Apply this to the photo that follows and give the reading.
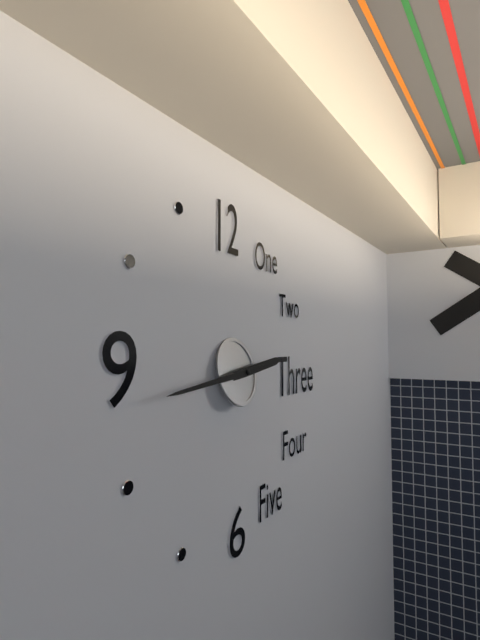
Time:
**2:44**
